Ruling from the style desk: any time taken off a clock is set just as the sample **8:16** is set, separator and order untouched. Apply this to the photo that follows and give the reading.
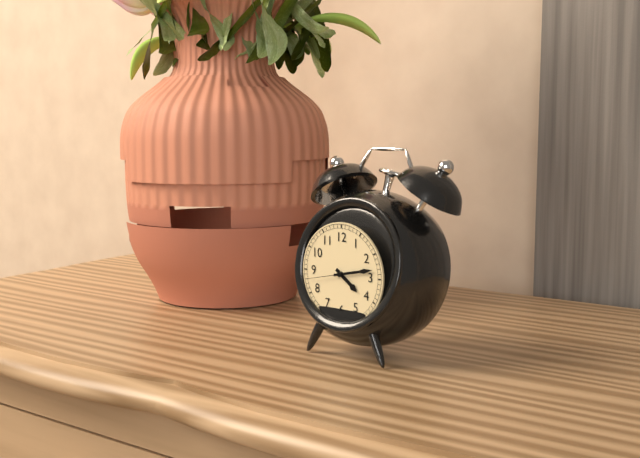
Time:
**4:13**
